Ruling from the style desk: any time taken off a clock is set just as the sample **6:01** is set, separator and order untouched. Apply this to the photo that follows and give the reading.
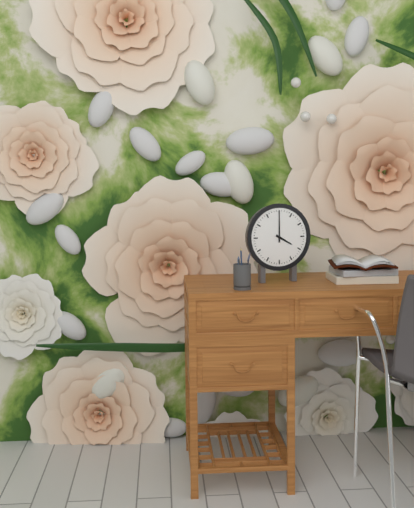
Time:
**4:00**
